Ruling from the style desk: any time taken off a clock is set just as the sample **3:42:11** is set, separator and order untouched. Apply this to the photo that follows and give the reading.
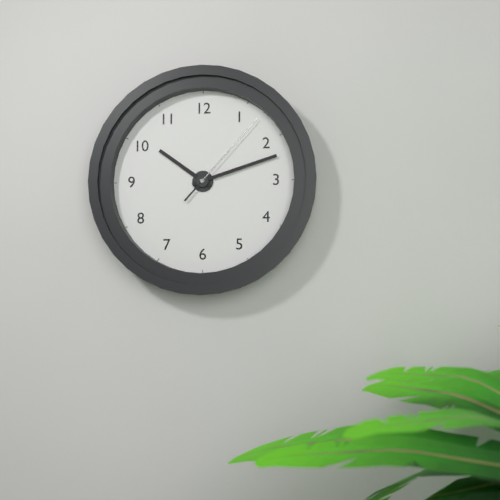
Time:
**10:12:07**
